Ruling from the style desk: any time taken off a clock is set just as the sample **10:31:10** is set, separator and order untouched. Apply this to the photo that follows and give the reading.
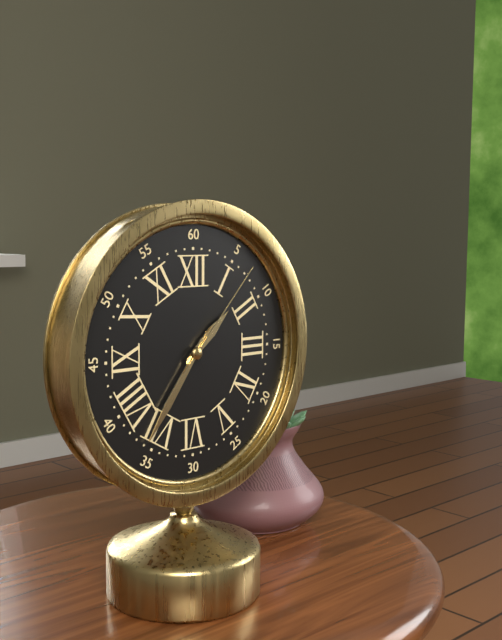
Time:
**1:36:07**
